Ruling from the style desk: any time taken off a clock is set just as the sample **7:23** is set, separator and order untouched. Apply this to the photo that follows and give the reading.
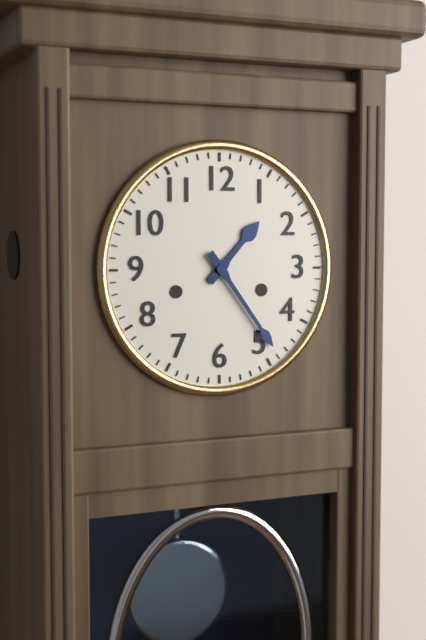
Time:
**1:24**
